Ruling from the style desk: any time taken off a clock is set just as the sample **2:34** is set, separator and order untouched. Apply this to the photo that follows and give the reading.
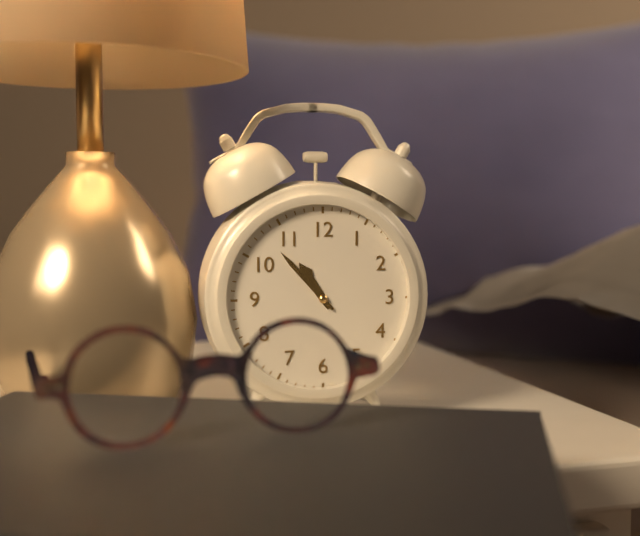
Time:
**10:53**
